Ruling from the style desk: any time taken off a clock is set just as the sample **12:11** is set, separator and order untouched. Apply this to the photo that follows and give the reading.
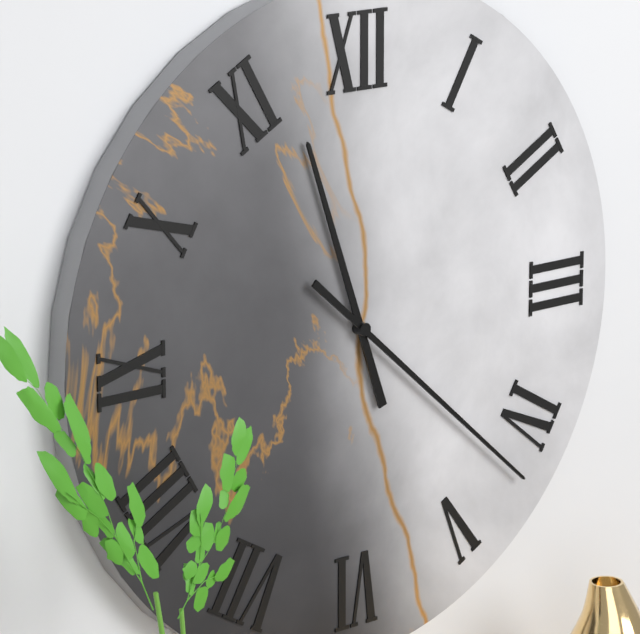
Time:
**11:22**
